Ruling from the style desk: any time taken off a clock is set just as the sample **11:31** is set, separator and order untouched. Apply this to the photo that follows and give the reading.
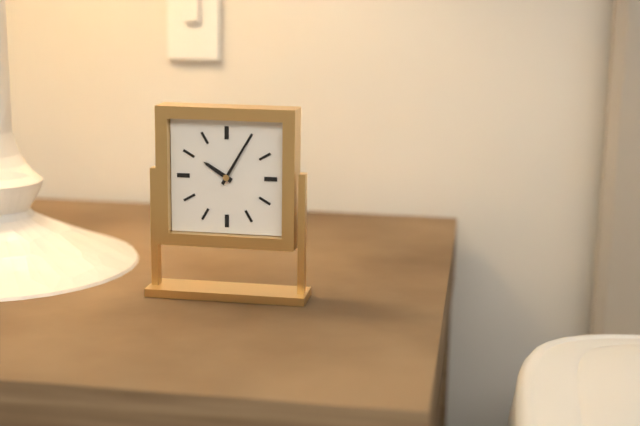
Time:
**10:05**
